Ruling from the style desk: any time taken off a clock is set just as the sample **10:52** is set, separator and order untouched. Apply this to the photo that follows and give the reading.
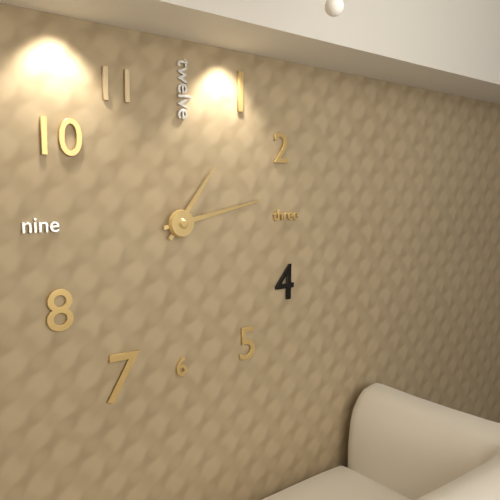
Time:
**1:13**
